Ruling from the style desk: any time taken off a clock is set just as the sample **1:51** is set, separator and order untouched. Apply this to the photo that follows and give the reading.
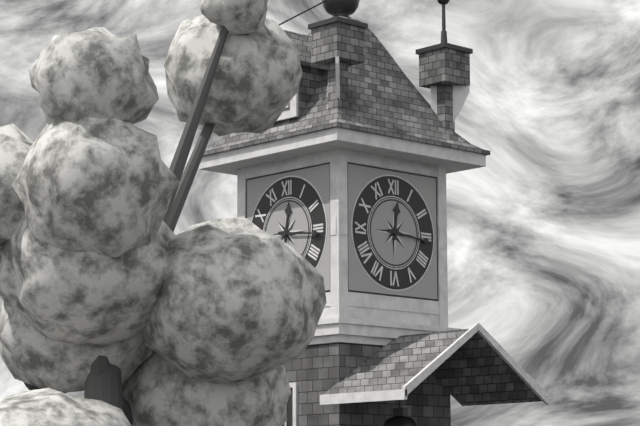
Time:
**12:16**
